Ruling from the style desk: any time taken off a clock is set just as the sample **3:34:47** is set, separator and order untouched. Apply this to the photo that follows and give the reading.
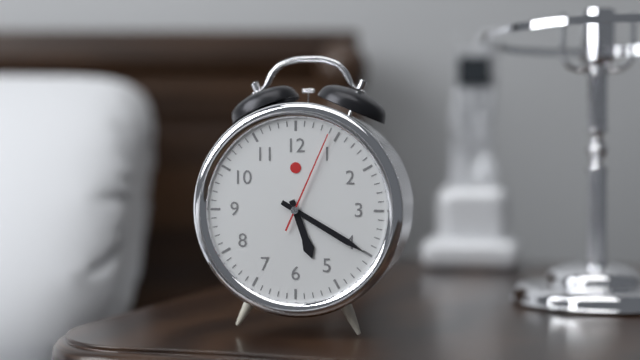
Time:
**5:20:04**
